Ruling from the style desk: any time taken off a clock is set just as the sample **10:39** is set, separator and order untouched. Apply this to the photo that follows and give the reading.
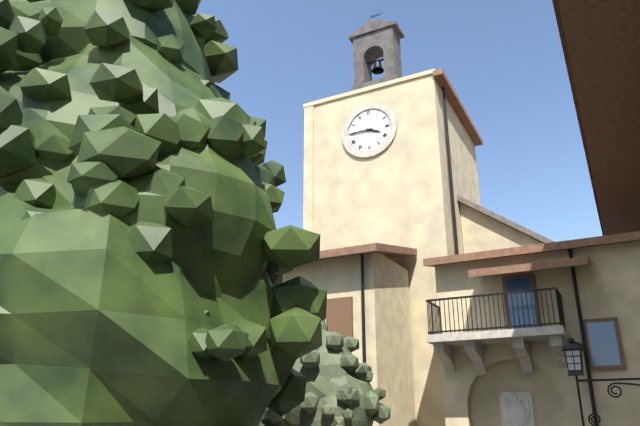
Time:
**3:45**
